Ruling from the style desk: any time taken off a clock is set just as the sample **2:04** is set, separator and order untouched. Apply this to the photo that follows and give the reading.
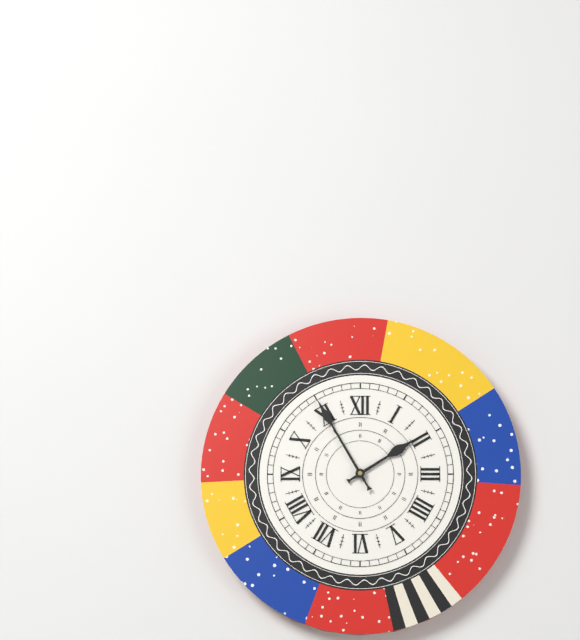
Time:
**1:55**
